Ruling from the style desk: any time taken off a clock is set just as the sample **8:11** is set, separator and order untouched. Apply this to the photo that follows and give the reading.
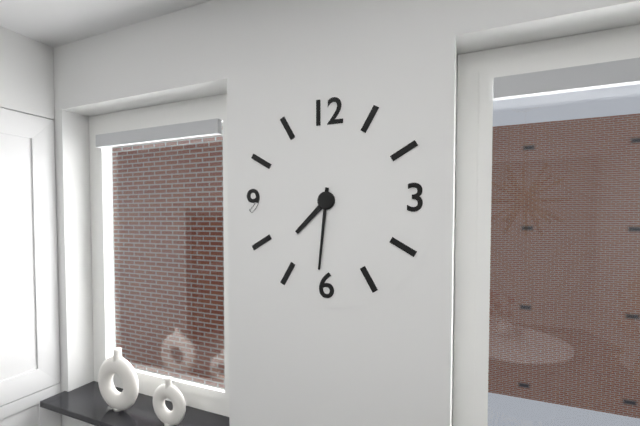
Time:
**7:31**
